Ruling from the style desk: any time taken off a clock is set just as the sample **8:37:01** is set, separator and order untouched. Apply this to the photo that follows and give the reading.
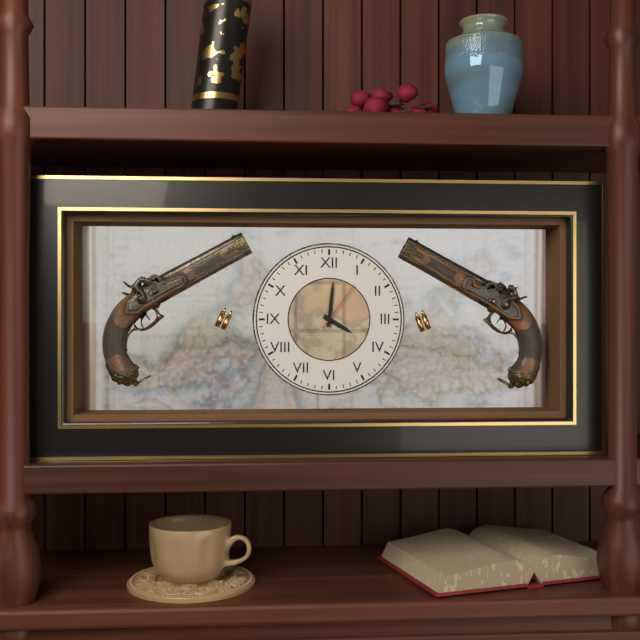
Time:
**4:01:06**
